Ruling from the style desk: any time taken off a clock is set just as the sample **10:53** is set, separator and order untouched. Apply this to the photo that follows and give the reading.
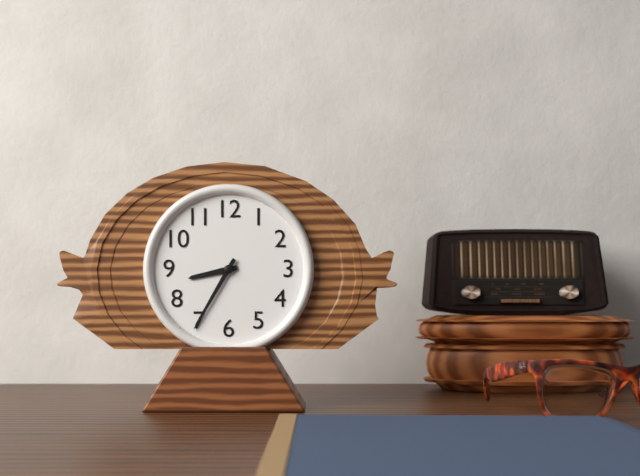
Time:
**8:35**
